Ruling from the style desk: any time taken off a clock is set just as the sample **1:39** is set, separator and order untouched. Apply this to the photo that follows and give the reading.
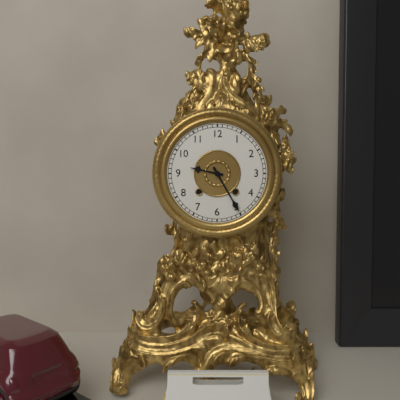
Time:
**9:25**
